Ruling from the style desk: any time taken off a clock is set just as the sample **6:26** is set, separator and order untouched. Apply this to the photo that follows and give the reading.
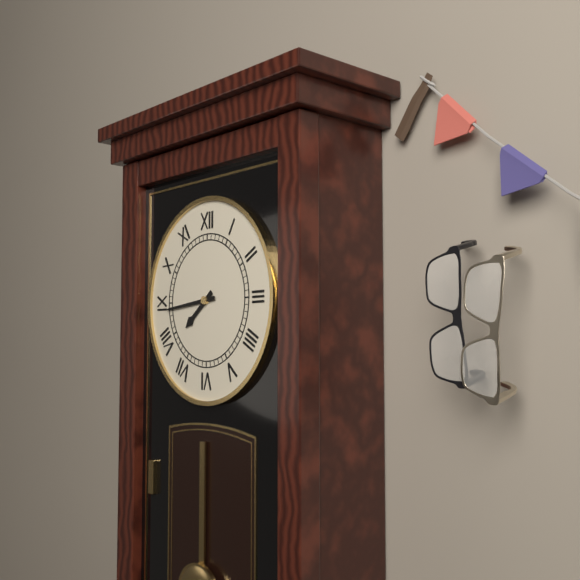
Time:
**7:44**
